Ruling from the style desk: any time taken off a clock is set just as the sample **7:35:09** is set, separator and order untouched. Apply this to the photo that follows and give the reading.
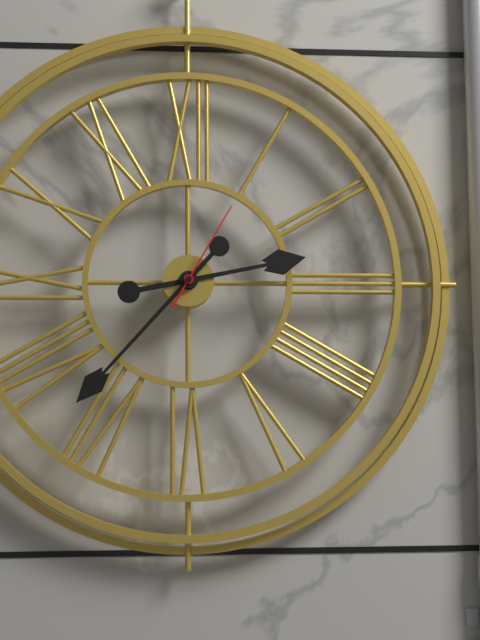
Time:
**2:37:05**
